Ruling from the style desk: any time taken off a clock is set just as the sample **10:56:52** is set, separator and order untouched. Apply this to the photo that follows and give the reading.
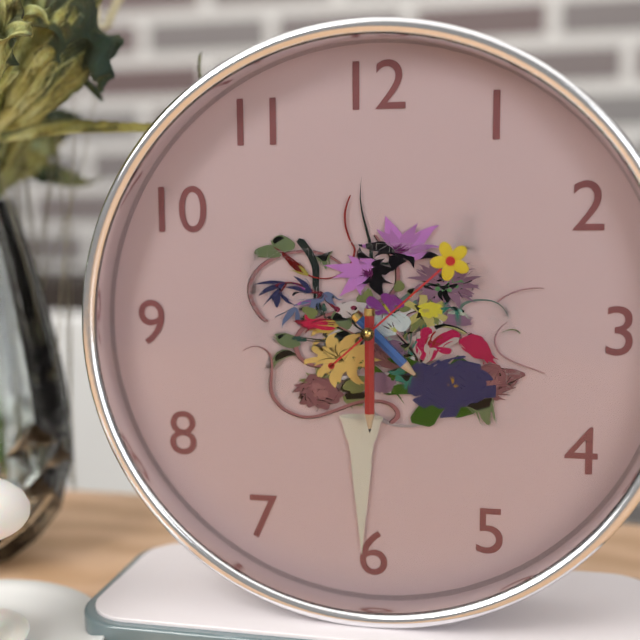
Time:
**4:30:08**
